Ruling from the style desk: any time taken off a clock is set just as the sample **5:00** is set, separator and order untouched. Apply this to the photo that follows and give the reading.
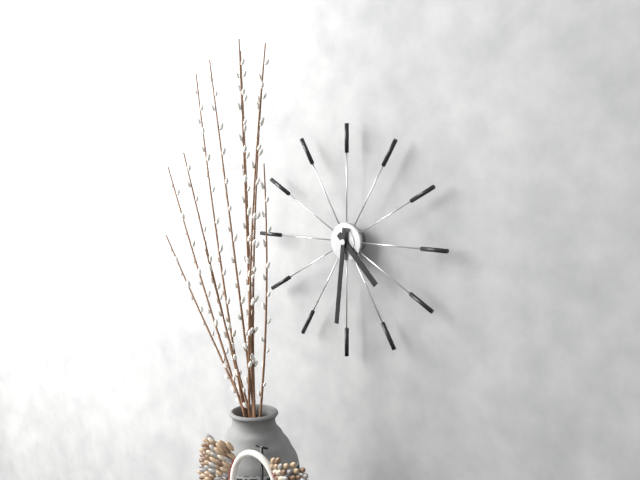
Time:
**4:31**
